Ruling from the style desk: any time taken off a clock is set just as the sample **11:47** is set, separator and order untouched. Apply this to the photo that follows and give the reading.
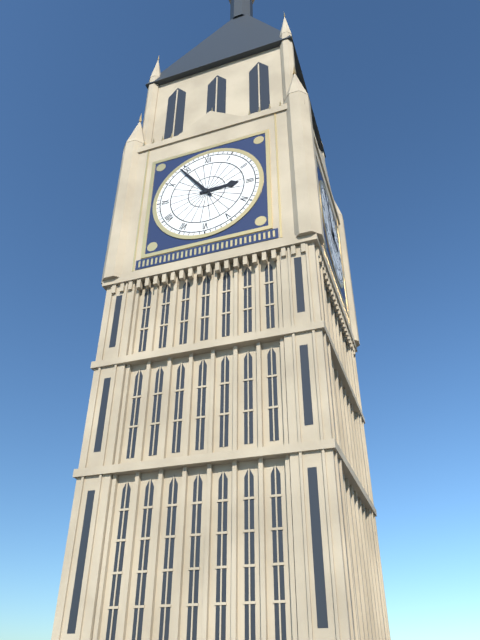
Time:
**2:54**
